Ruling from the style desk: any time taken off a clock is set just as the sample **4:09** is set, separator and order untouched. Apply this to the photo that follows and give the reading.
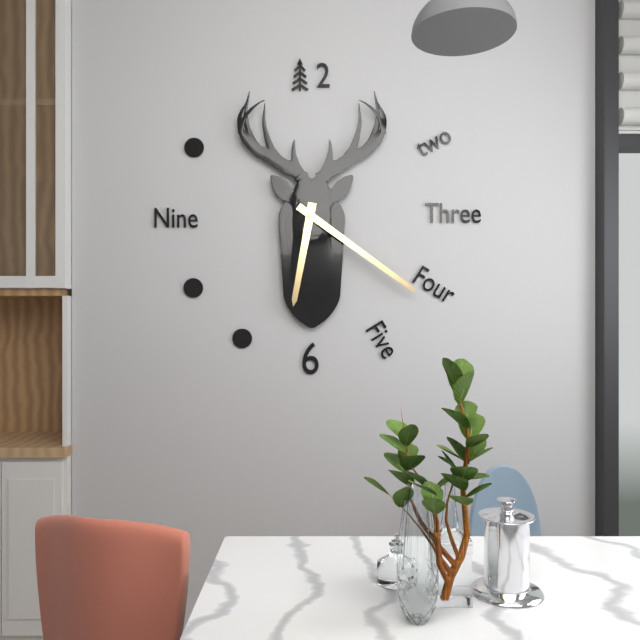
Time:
**6:21**
